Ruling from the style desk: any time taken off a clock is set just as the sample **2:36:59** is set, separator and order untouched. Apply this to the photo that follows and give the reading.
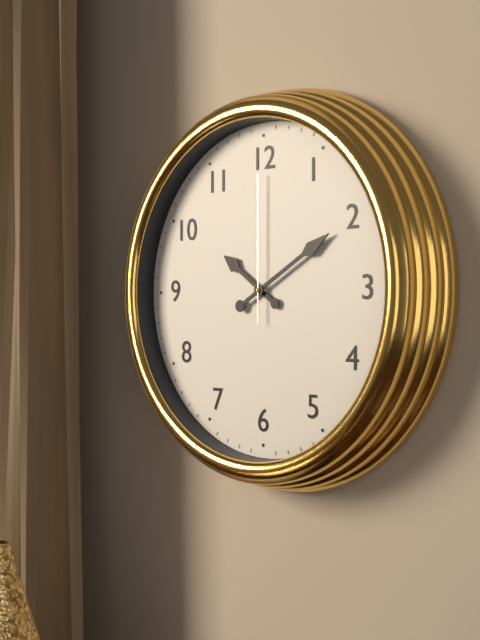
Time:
**10:10:00**
